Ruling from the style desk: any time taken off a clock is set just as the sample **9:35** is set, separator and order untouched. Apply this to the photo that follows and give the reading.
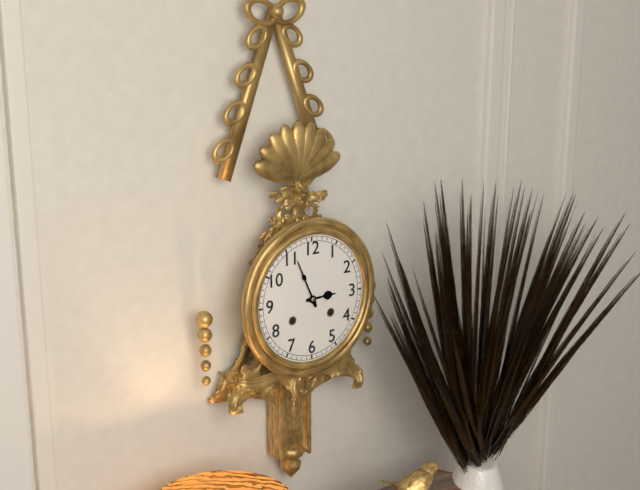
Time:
**2:56**
